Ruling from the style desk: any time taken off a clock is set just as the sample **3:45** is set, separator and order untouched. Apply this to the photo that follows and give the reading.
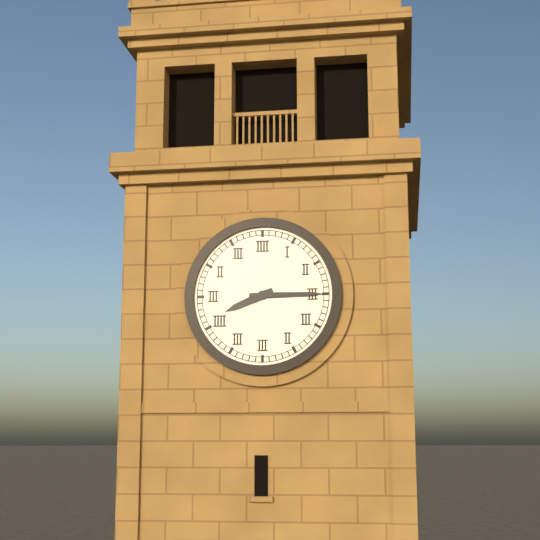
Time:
**8:15**
